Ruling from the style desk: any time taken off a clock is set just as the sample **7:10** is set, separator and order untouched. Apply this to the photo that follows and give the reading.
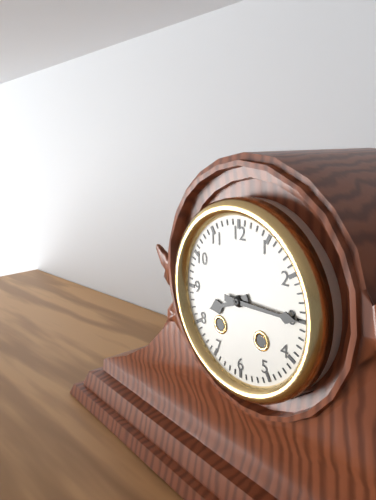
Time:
**8:15**
